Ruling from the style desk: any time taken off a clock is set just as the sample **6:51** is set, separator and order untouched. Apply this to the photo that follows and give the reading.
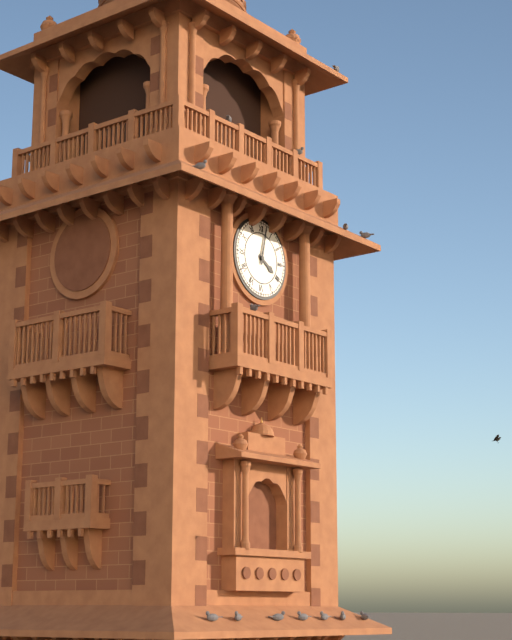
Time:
**4:02**
